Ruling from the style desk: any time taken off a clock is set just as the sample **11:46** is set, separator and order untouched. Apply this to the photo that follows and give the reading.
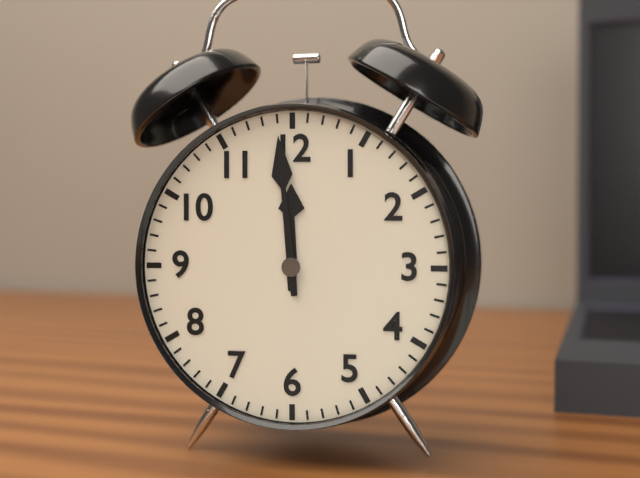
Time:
**11:59**
